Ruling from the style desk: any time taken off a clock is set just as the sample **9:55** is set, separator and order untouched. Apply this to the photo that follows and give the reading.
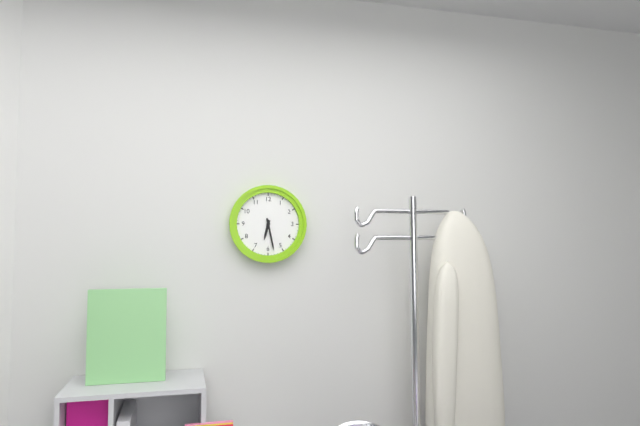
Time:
**6:28**
